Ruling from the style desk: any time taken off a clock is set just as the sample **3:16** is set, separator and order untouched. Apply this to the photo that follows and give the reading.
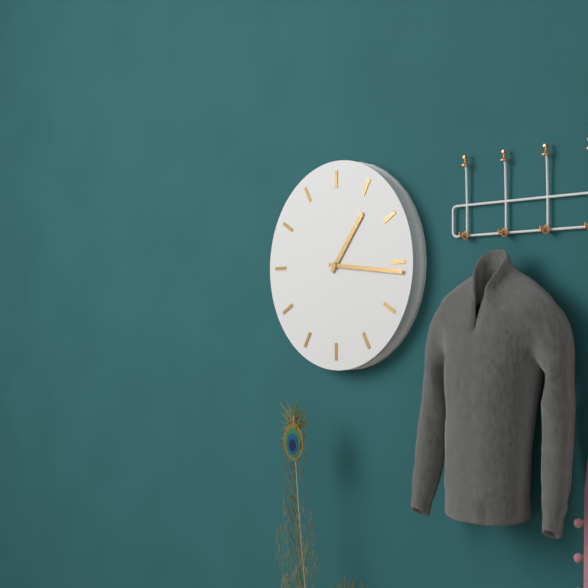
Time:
**1:16**
